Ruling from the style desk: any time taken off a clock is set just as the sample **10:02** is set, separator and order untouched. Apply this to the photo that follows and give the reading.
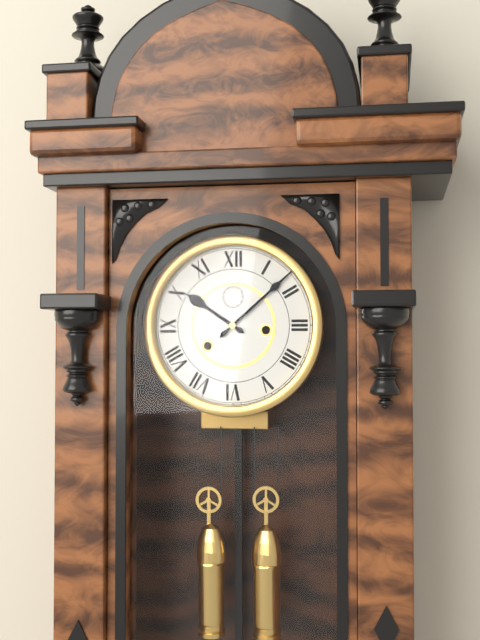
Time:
**10:08**
